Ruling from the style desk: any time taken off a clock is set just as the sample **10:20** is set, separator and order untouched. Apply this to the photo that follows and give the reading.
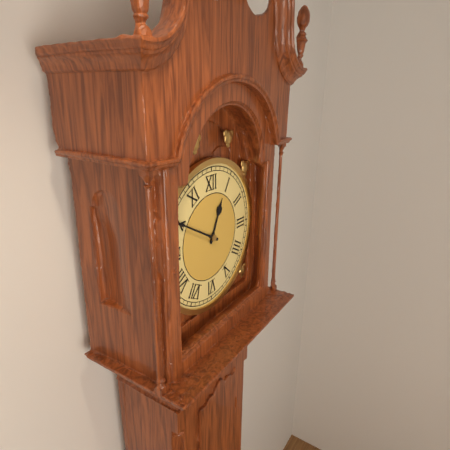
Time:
**12:50**
